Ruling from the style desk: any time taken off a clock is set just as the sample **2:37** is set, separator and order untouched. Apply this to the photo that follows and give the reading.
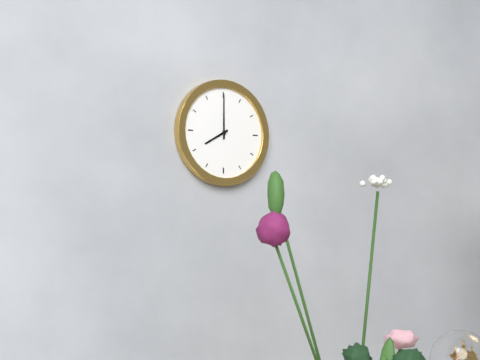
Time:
**8:00**
